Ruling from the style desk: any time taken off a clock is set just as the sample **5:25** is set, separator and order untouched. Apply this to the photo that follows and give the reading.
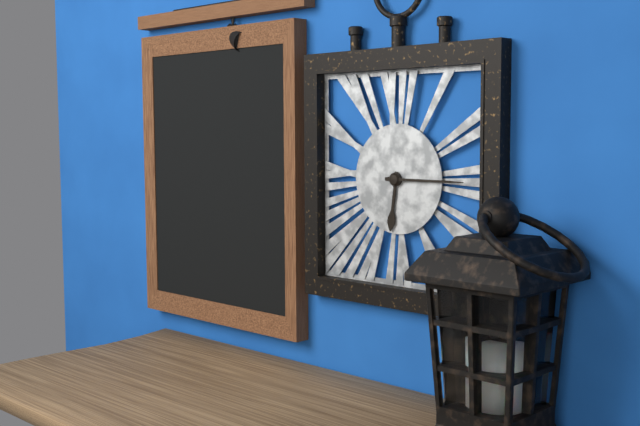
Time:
**6:15**
